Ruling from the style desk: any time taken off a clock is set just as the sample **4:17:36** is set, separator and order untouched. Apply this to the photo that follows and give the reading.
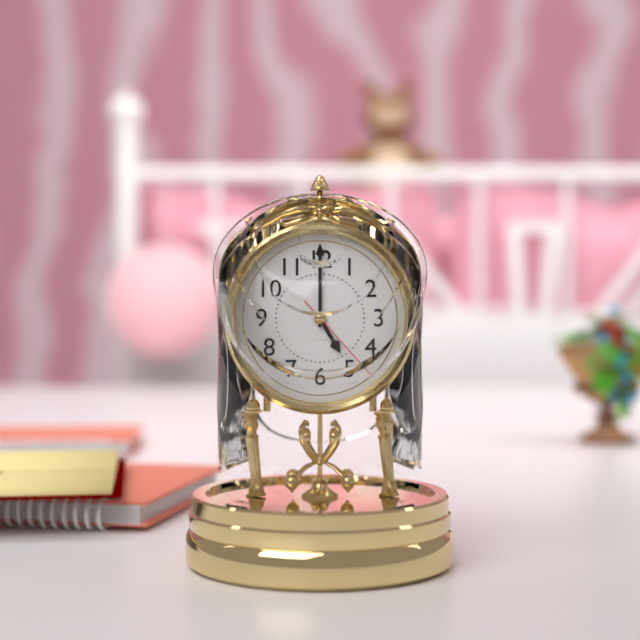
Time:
**5:00:23**
